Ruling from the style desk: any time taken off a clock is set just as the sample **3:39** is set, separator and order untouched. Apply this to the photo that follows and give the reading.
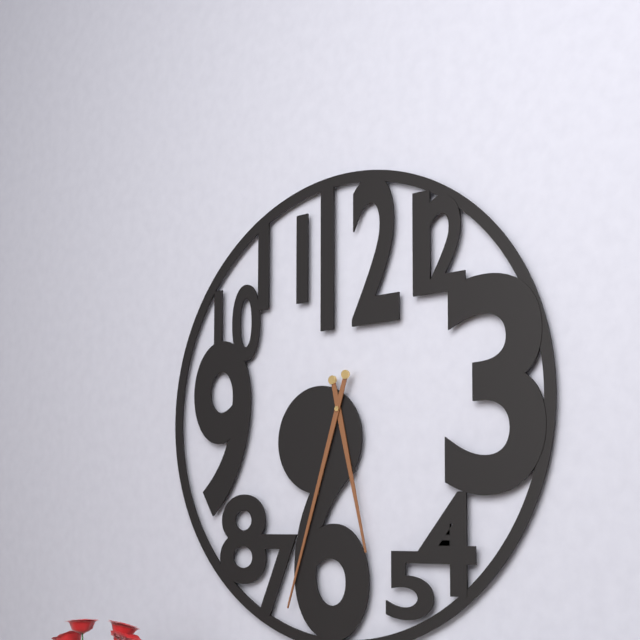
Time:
**5:33**
